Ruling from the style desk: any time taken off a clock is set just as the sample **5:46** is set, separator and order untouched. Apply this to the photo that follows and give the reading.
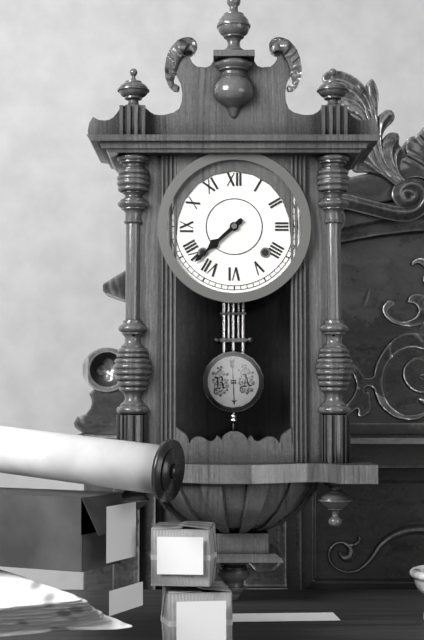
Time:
**7:38**
